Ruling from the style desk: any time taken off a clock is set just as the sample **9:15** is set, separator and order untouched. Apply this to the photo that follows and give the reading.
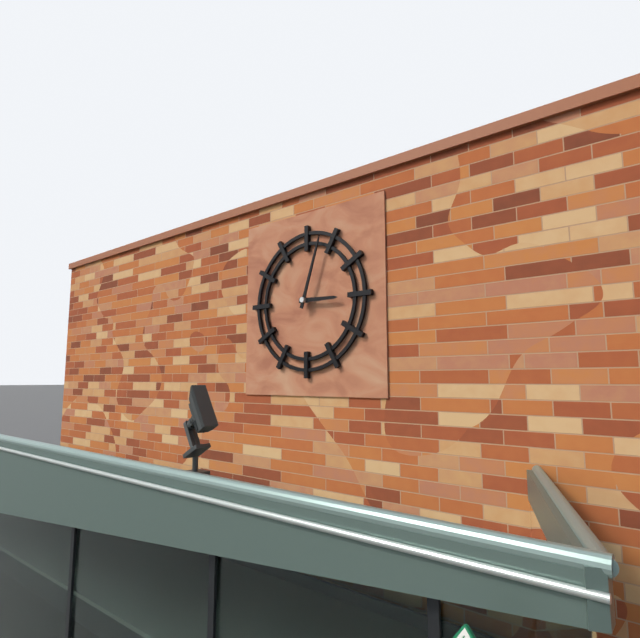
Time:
**3:03**
